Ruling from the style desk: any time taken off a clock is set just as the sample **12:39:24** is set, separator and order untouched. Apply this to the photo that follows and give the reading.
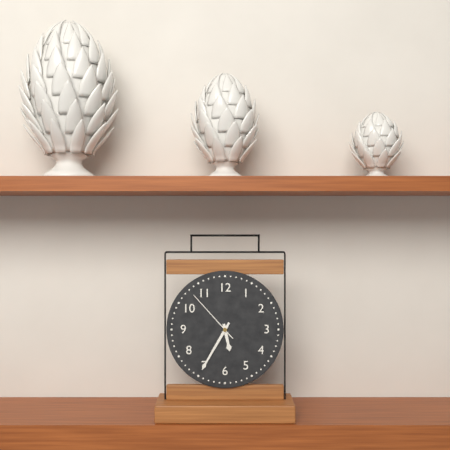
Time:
**5:35:53**
